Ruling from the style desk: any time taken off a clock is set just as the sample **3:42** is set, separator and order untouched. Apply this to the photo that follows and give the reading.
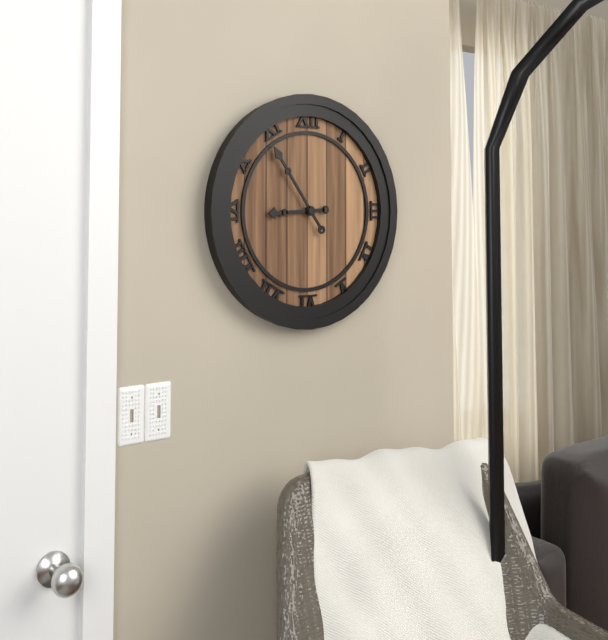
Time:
**8:54**
